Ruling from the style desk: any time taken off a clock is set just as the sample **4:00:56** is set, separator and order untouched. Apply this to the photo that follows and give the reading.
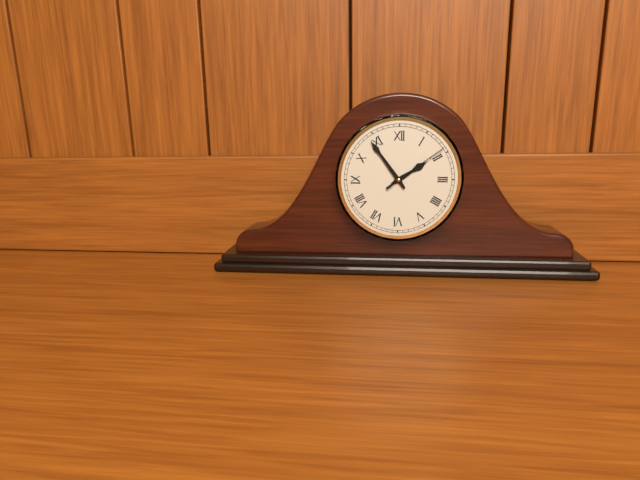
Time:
**1:54:09**
